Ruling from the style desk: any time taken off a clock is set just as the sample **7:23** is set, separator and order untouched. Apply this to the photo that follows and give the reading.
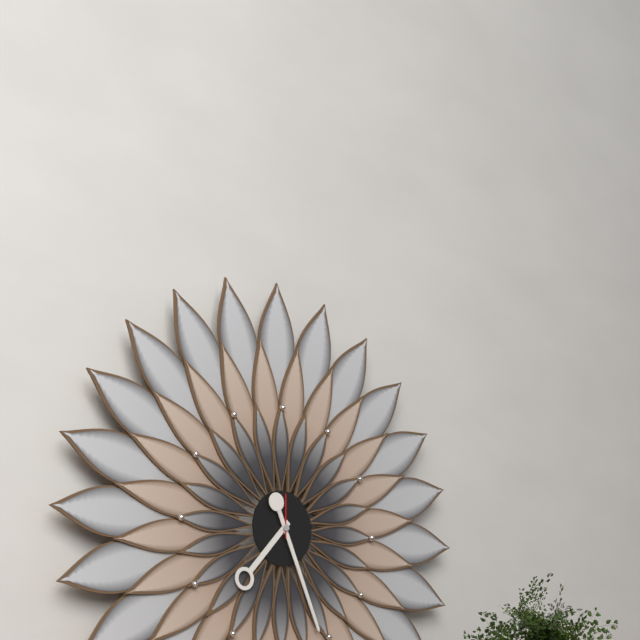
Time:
**7:26**
